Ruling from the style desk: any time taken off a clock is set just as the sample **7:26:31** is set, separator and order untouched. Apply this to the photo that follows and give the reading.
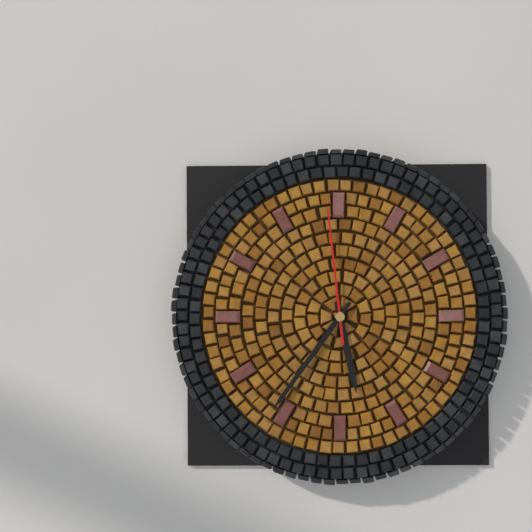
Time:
**5:36:59**
